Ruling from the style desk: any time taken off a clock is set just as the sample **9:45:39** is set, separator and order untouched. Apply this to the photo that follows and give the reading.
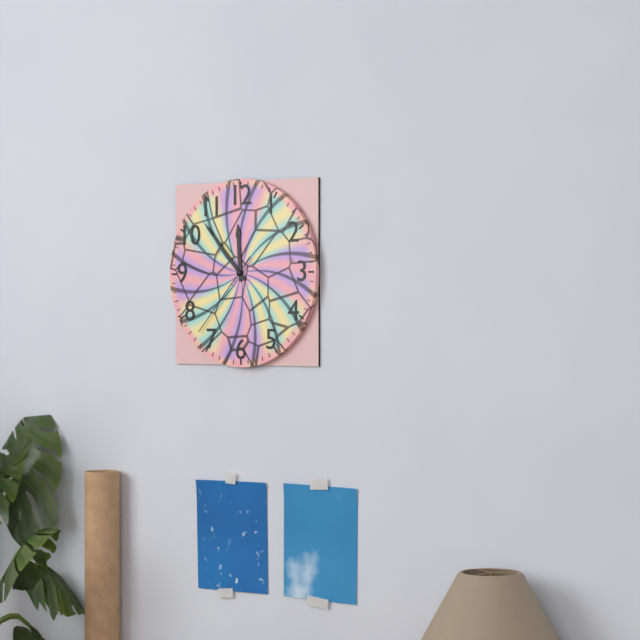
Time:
**11:53:37**
